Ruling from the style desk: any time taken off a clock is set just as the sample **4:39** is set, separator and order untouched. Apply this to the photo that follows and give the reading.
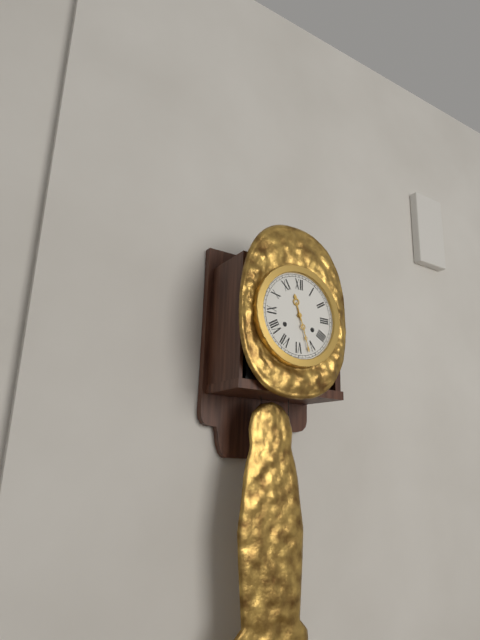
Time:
**11:27**
